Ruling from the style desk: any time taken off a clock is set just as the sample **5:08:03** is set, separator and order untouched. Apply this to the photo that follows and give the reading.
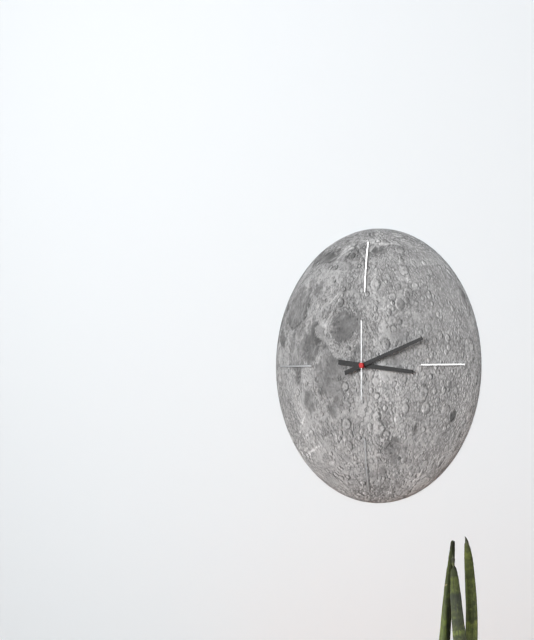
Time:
**3:12:00**
